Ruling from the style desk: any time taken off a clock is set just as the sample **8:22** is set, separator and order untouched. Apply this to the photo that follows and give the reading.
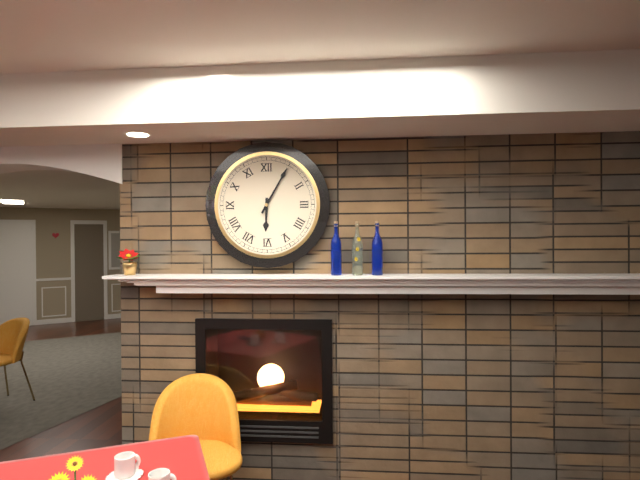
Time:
**6:05**
